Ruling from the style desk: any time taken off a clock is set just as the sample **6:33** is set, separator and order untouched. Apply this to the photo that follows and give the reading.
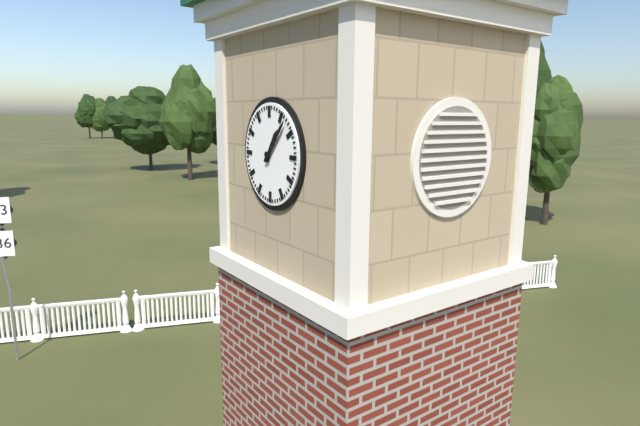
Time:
**1:07**
